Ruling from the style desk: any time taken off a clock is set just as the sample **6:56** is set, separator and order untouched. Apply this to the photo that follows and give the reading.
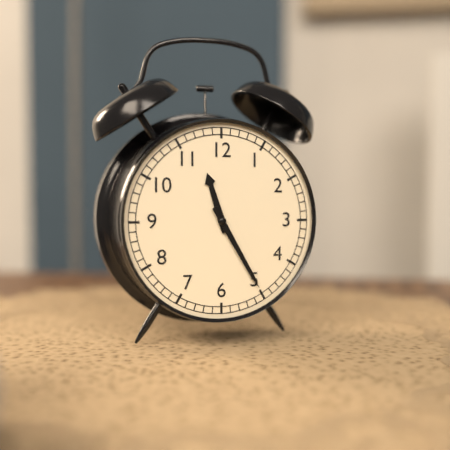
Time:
**11:25**
